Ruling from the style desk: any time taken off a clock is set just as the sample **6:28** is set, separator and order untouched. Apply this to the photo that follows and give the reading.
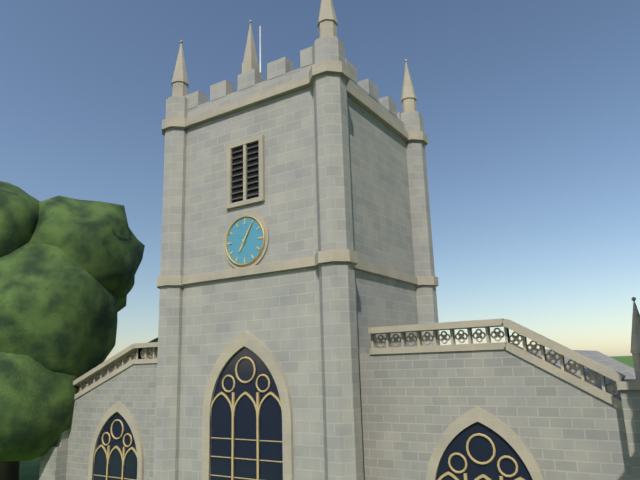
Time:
**7:05**
